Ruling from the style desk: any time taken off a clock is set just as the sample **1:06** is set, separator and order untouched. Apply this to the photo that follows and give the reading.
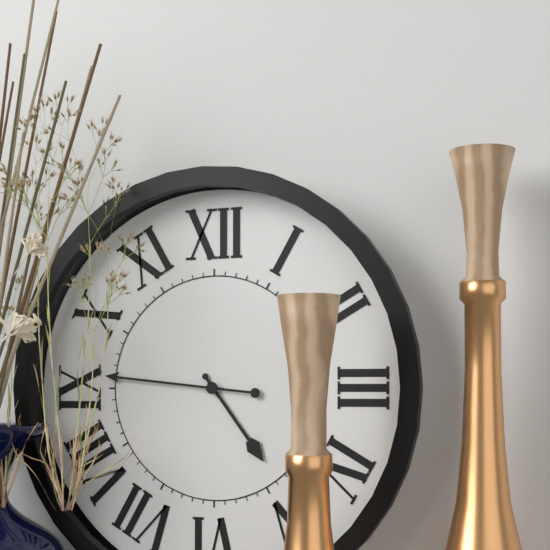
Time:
**4:46**
